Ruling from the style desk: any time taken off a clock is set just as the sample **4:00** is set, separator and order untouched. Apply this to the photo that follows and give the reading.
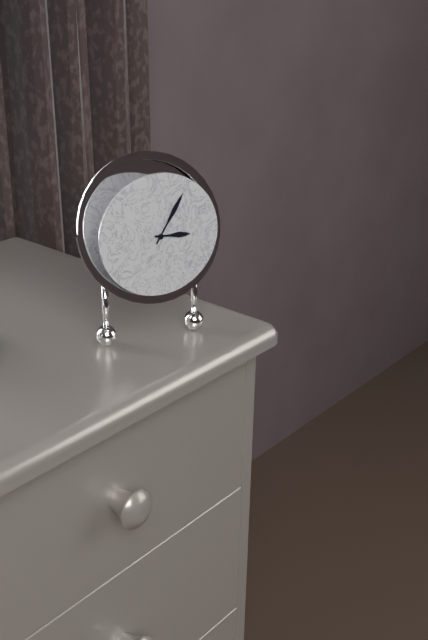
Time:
**3:05**
